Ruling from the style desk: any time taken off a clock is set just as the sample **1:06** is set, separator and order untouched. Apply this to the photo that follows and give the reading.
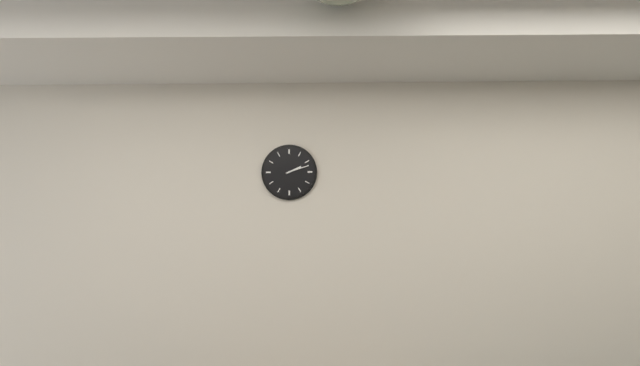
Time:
**2:12**
